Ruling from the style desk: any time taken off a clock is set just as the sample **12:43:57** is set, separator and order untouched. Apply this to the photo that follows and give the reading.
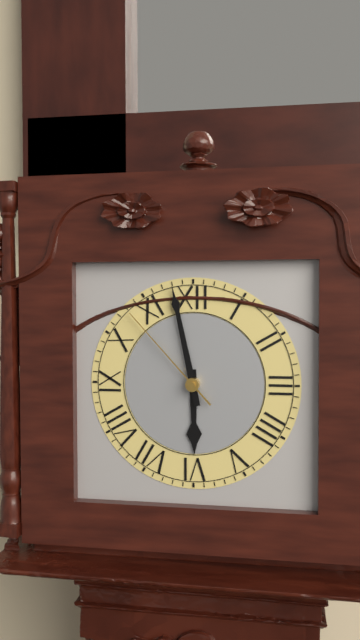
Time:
**5:58:53**
